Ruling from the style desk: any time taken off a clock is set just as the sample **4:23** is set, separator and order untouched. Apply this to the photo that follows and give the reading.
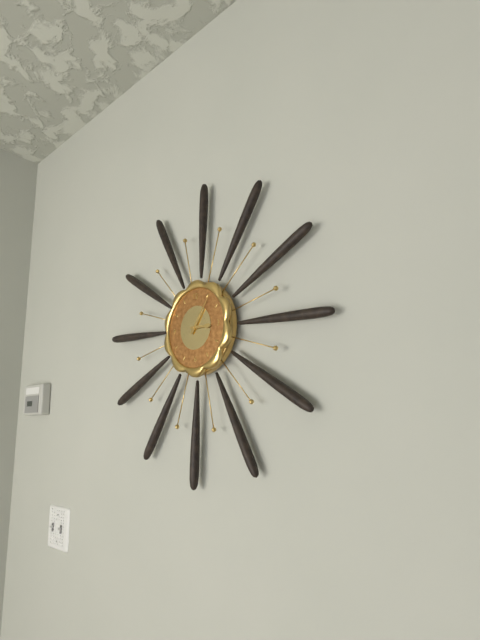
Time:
**3:06**
